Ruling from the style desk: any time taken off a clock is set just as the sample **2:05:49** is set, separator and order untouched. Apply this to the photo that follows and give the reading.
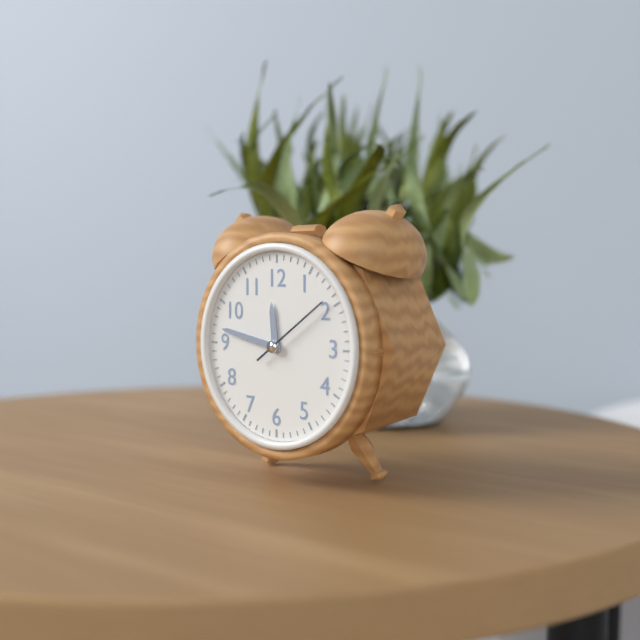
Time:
**11:47:09**
